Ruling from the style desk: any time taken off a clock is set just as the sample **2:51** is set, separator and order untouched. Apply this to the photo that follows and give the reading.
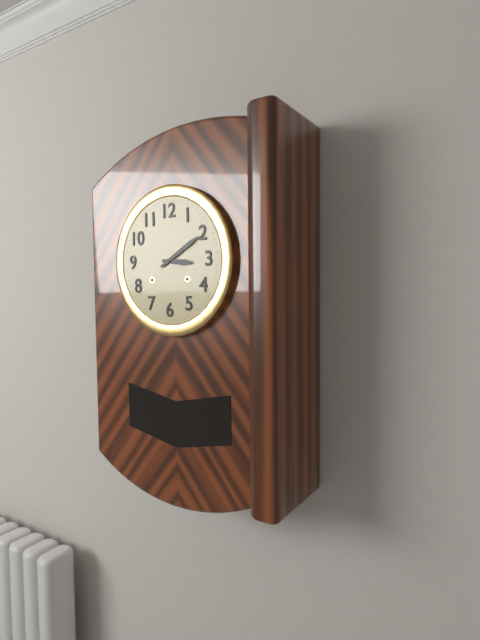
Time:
**3:10**
